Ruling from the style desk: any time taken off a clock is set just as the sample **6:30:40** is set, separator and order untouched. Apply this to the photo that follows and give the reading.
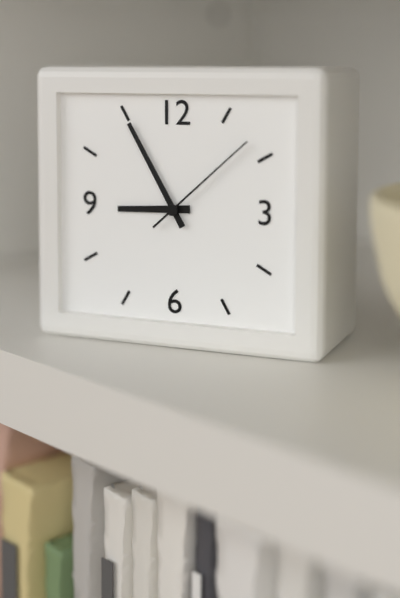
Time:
**8:55:08**
